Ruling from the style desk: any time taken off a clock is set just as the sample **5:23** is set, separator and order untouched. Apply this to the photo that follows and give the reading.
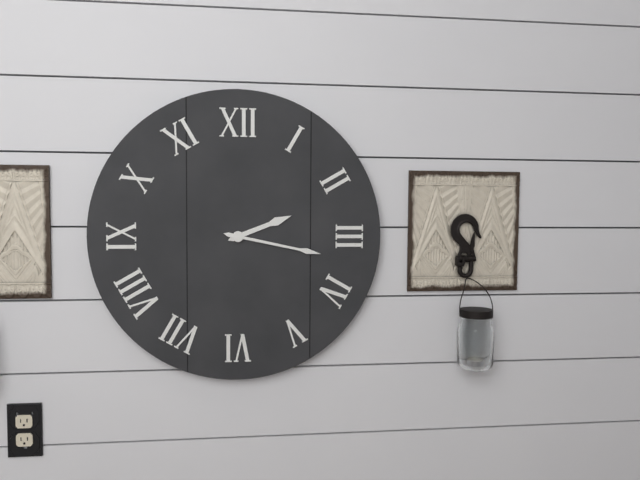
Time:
**2:17**
